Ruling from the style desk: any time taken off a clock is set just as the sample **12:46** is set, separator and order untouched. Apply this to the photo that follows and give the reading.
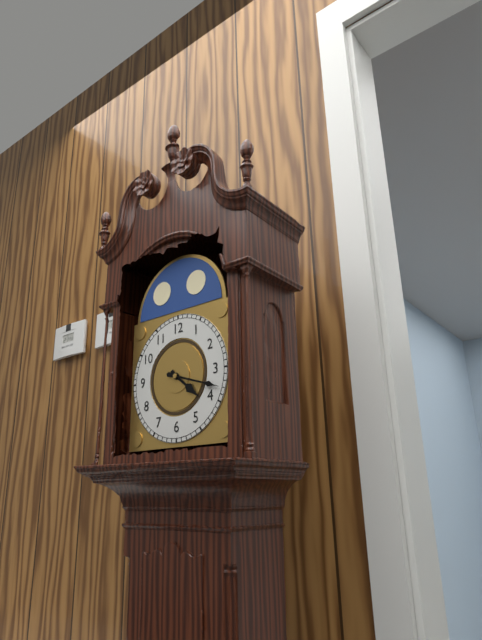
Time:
**4:18**
